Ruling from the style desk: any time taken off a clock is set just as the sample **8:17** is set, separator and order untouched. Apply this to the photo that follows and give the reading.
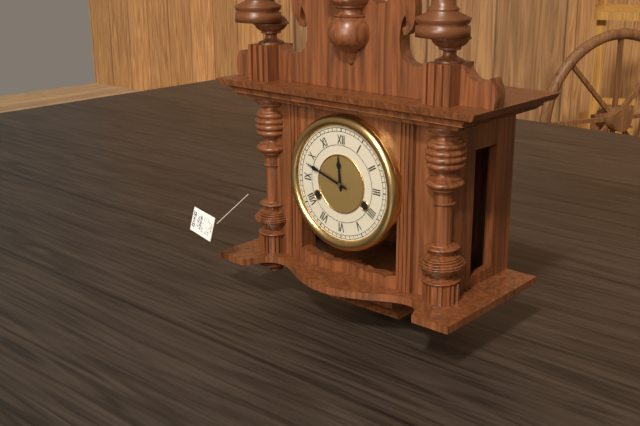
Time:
**11:48**
